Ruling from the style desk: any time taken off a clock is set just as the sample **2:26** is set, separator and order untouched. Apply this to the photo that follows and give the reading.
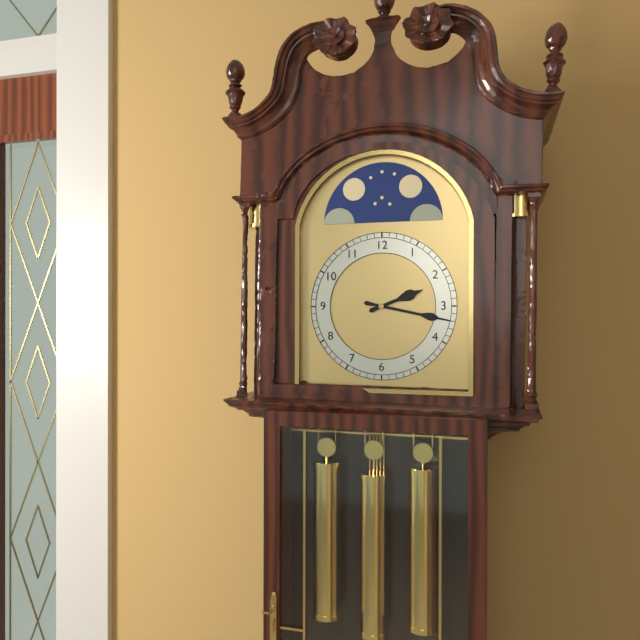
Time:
**2:17**
